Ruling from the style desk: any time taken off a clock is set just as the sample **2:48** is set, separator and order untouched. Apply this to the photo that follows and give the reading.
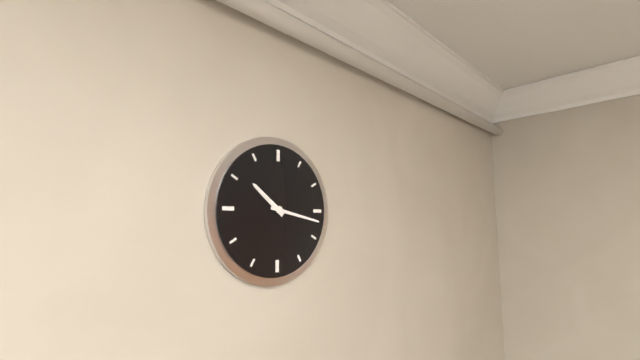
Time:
**10:17**
